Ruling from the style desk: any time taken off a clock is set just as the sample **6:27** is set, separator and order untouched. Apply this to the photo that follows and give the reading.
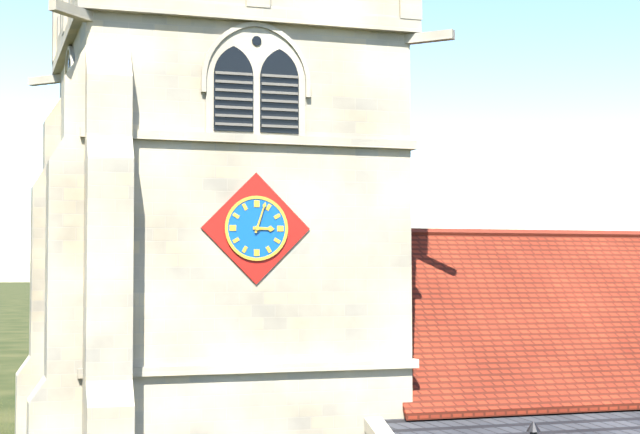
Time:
**3:03**
